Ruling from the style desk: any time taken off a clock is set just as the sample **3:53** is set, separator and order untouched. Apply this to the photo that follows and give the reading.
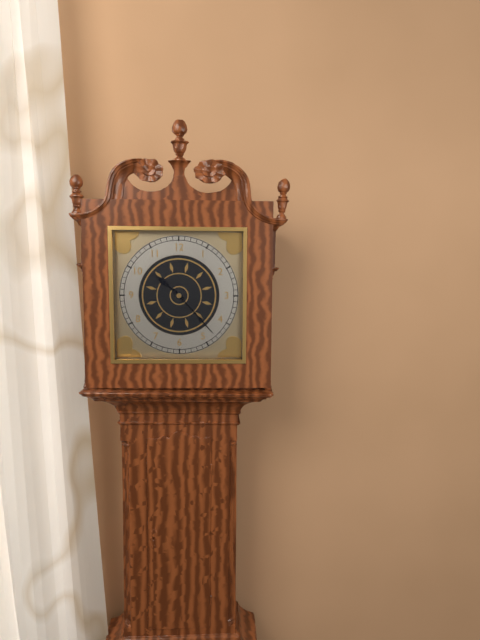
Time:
**10:23**
